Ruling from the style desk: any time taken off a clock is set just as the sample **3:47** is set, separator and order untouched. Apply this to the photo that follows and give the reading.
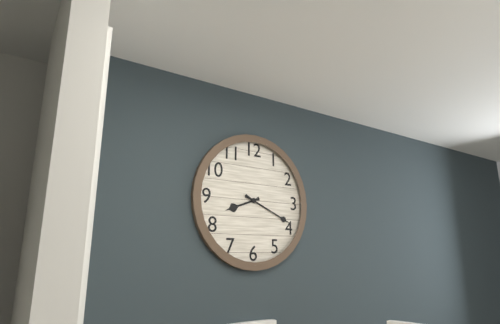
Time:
**8:19**
